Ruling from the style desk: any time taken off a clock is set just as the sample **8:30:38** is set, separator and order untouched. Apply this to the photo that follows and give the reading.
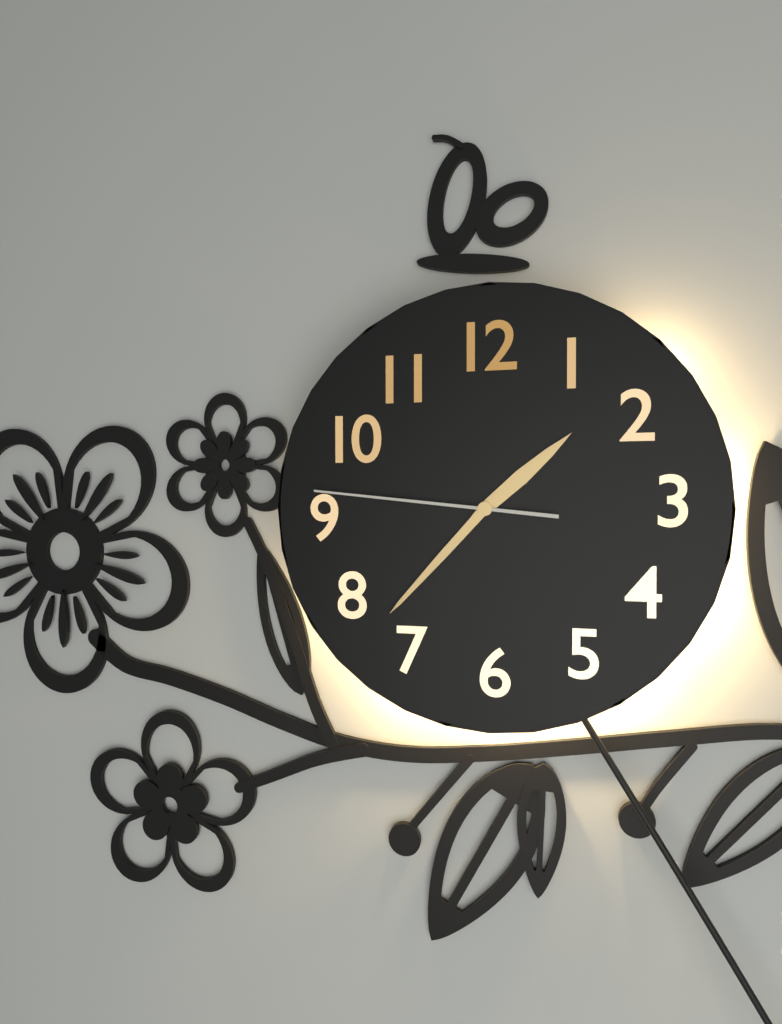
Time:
**1:37:46**
